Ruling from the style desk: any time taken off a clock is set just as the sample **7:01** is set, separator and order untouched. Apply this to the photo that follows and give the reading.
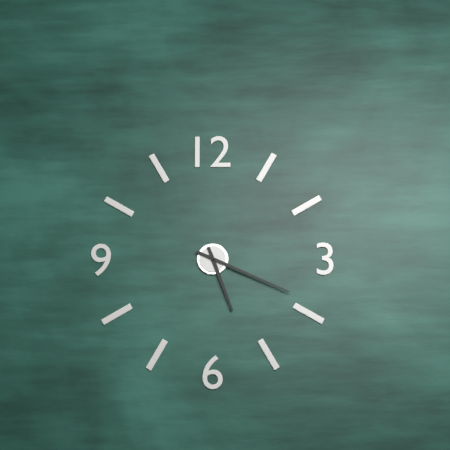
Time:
**5:19**
